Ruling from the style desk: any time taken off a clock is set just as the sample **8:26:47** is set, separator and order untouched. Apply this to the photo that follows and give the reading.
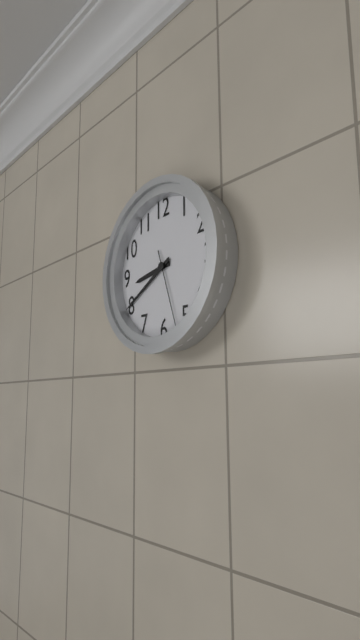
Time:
**8:40:27**
